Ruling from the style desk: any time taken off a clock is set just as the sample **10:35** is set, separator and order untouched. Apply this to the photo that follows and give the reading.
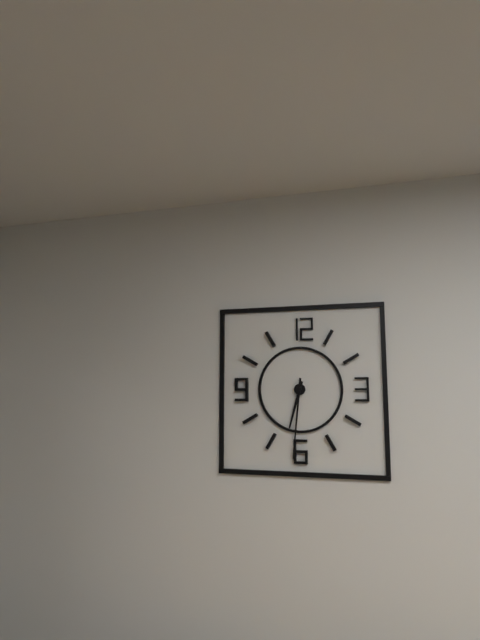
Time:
**6:31**
